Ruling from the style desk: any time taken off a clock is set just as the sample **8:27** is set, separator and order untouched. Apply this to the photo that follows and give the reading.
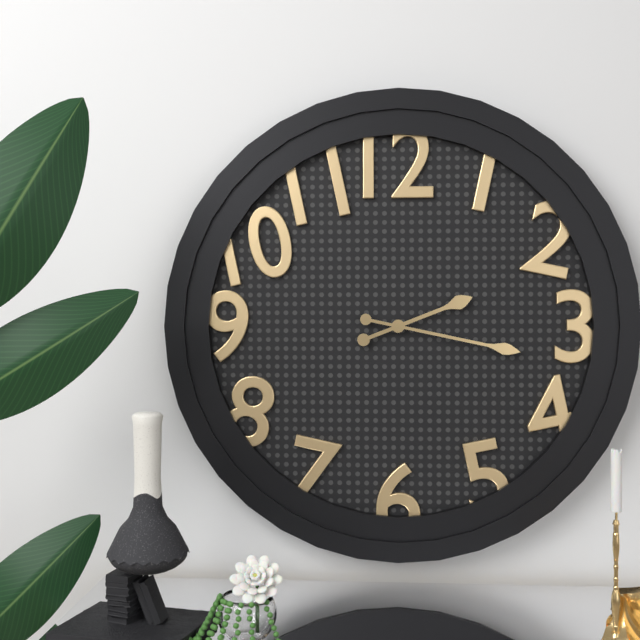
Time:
**2:17**
